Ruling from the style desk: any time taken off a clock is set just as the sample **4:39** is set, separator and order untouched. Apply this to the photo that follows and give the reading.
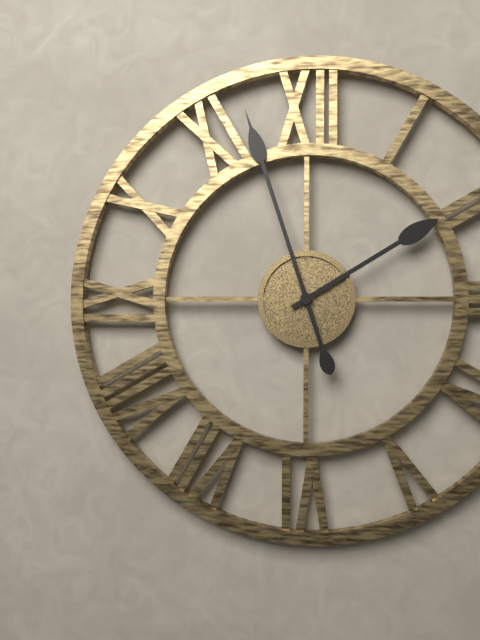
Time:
**1:57**
